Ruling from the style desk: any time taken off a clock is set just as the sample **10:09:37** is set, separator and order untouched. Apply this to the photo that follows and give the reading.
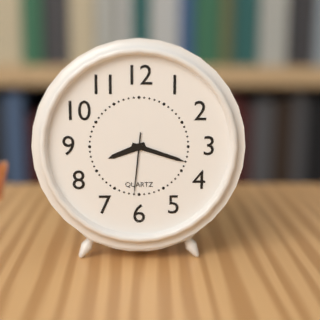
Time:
**8:18:31**
